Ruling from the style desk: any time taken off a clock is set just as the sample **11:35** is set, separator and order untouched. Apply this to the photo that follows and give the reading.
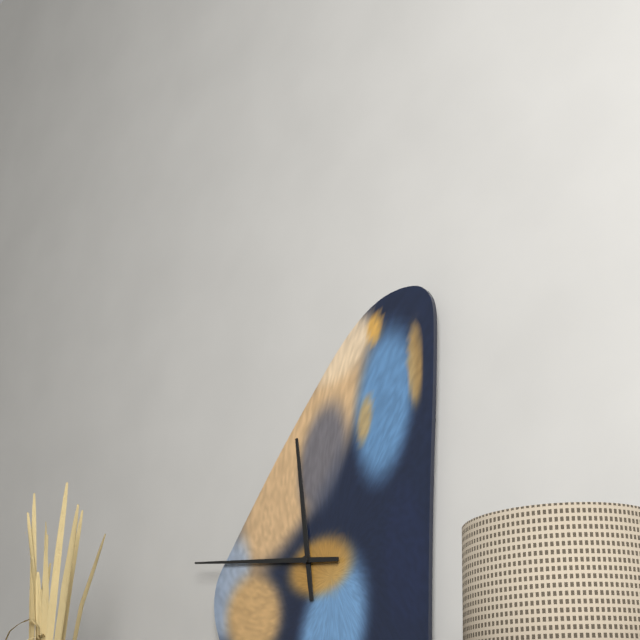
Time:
**11:46**
